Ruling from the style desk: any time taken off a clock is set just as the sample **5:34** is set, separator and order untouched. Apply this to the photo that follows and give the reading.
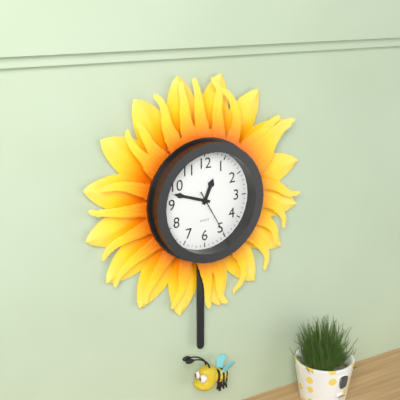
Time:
**12:48**
